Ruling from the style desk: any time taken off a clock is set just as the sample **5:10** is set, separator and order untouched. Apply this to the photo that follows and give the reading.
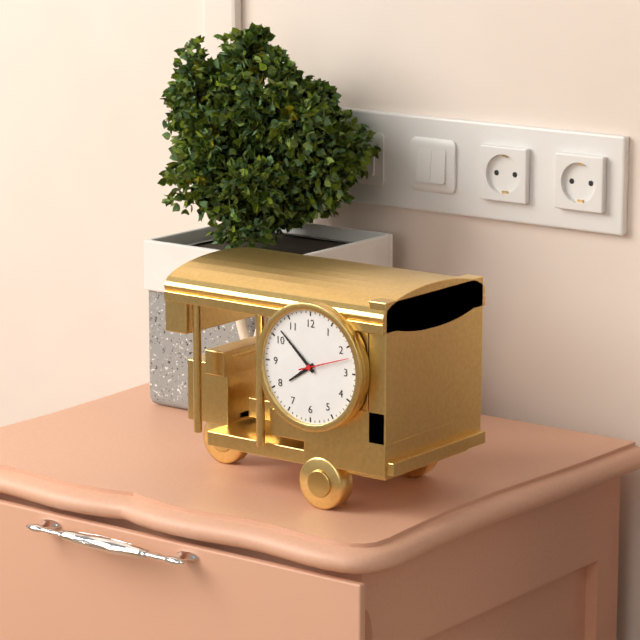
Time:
**7:52**
